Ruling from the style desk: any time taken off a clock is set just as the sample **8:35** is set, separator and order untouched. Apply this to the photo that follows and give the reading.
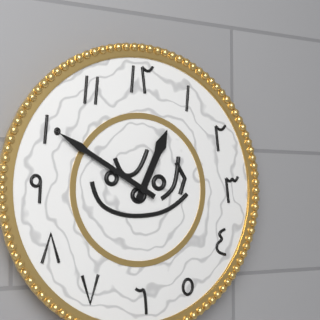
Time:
**12:50**
